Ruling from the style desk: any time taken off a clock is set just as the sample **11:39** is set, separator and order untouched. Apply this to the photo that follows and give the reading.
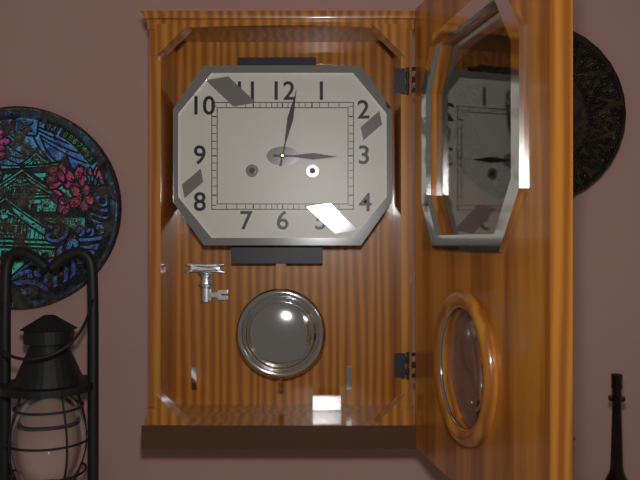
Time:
**3:02**
